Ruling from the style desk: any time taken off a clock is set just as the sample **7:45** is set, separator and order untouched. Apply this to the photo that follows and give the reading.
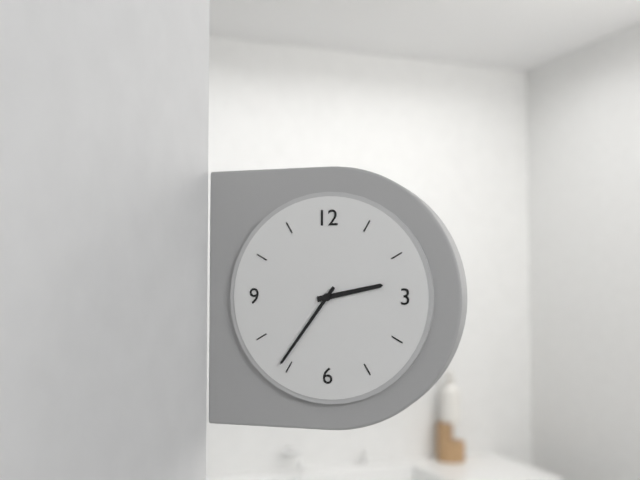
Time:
**2:36**
